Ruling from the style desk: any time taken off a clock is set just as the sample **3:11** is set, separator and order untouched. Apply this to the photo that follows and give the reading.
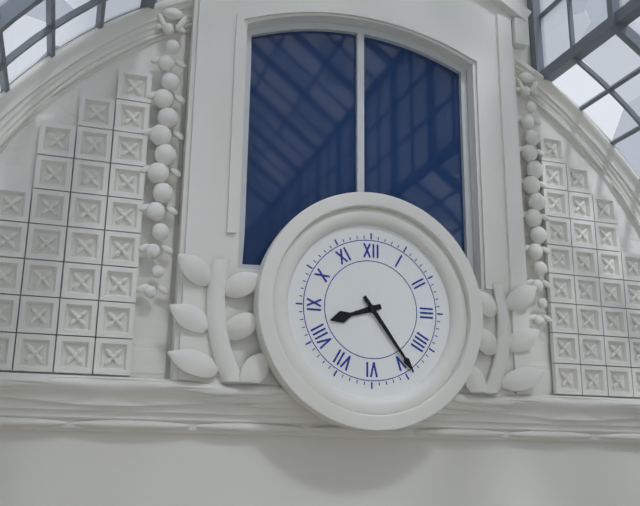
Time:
**8:24**
